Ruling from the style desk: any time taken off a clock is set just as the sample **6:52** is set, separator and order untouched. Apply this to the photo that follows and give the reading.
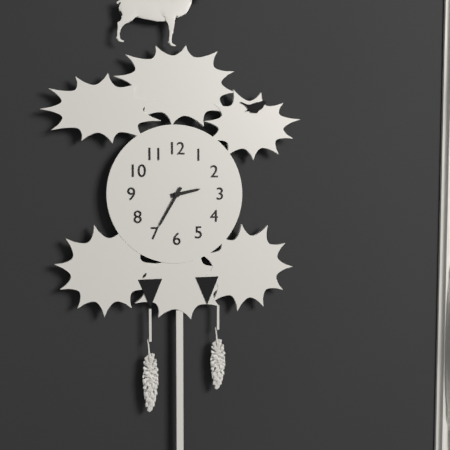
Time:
**2:35**
